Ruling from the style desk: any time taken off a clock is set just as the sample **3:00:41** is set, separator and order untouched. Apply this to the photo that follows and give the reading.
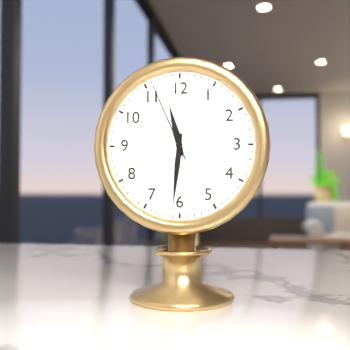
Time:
**11:31:56**
